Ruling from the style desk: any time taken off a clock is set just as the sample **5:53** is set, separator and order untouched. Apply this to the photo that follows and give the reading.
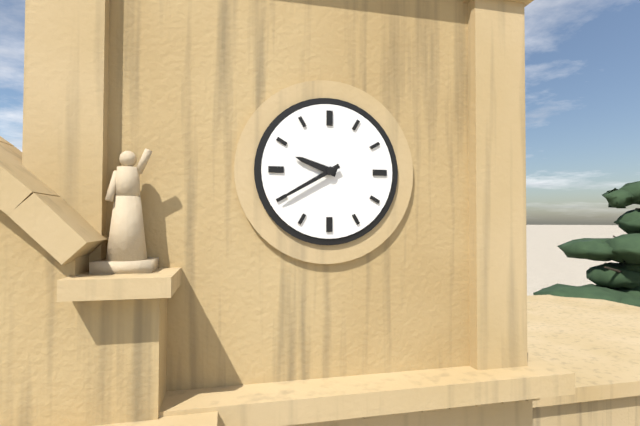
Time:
**9:40**
